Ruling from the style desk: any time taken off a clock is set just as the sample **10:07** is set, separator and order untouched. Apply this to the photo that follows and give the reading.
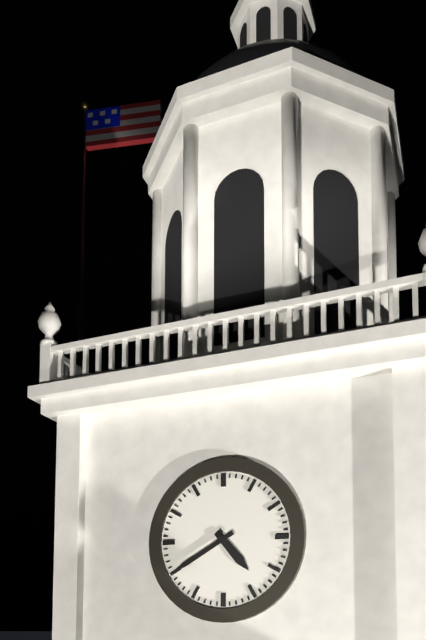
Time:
**4:40**
